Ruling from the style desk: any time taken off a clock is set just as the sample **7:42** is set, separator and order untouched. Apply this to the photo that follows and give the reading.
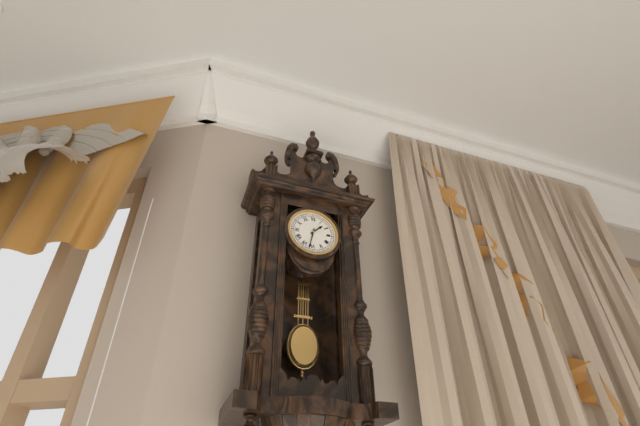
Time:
**1:32**
